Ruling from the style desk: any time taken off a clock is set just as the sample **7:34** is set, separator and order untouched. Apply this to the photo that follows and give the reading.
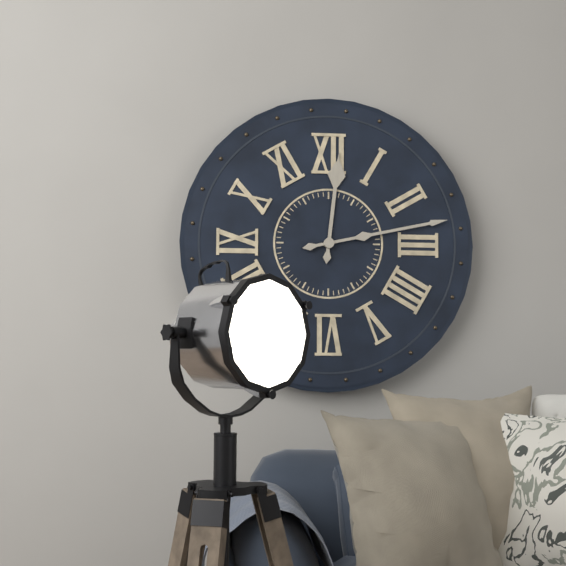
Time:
**12:13**
